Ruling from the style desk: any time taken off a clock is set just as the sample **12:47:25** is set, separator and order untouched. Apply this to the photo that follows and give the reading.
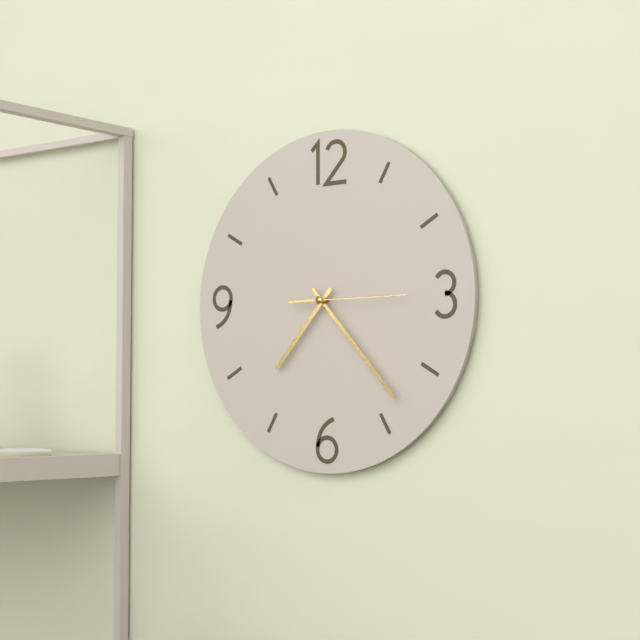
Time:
**7:23:15**
